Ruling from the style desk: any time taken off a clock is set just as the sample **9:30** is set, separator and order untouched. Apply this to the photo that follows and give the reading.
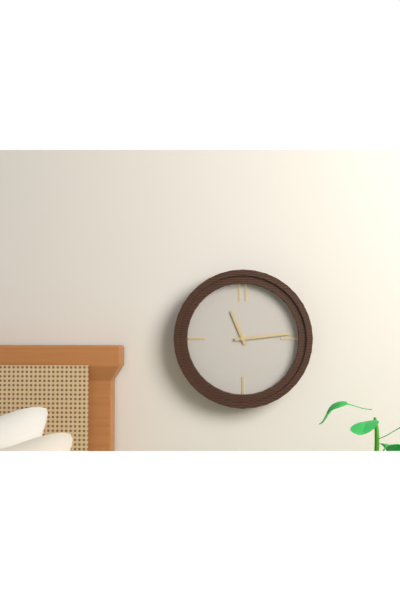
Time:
**11:14**
